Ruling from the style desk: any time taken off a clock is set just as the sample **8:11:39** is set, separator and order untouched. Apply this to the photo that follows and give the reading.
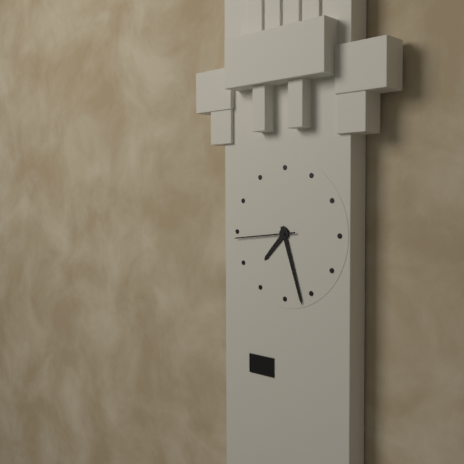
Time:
**7:27:44**
